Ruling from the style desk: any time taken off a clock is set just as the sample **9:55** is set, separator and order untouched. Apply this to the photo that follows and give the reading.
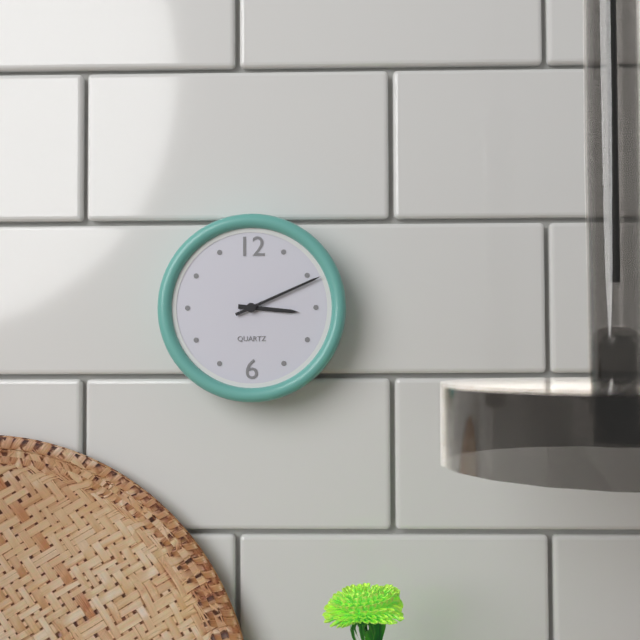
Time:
**3:11**
